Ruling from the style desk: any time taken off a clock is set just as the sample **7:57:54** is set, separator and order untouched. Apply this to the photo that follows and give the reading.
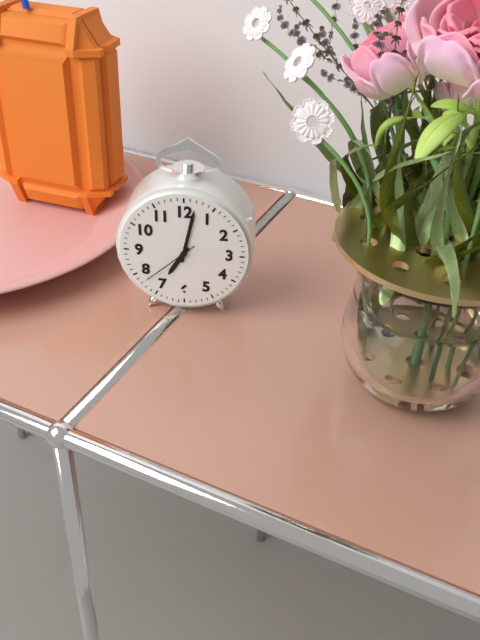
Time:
**7:02:38**
